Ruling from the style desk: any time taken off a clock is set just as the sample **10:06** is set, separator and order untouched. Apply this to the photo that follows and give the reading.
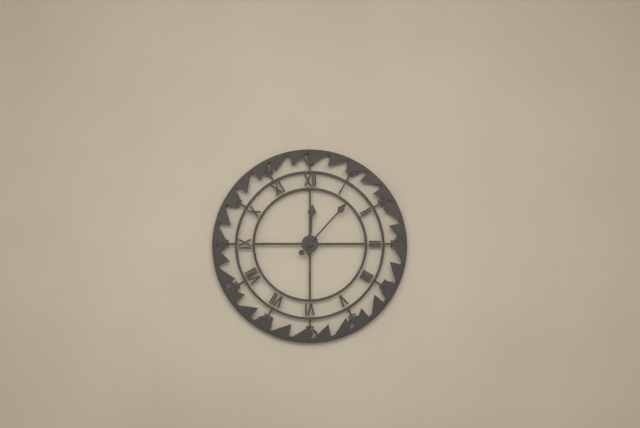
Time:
**12:07**
